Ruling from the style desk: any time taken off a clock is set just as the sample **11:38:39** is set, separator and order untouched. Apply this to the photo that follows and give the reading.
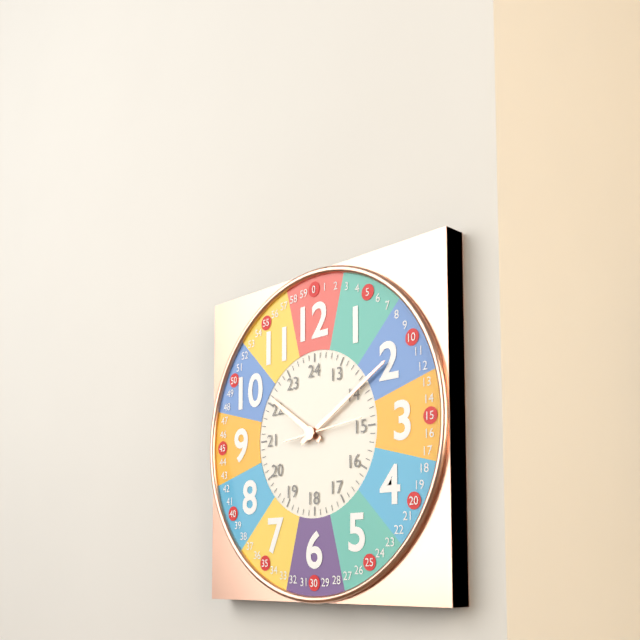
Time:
**10:10:14**
